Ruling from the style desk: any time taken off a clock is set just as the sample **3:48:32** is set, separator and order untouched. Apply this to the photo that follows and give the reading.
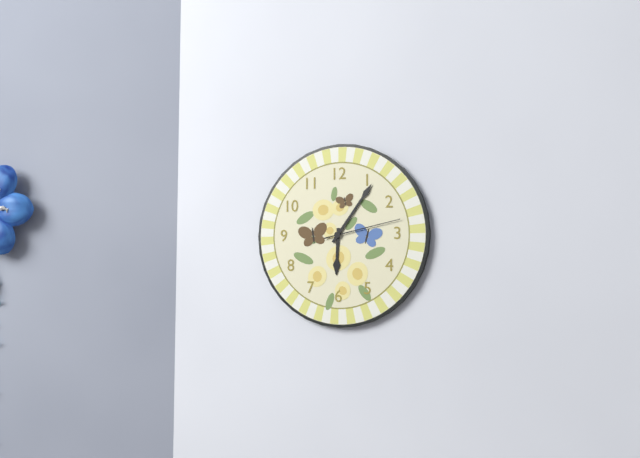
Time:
**6:06:13**
